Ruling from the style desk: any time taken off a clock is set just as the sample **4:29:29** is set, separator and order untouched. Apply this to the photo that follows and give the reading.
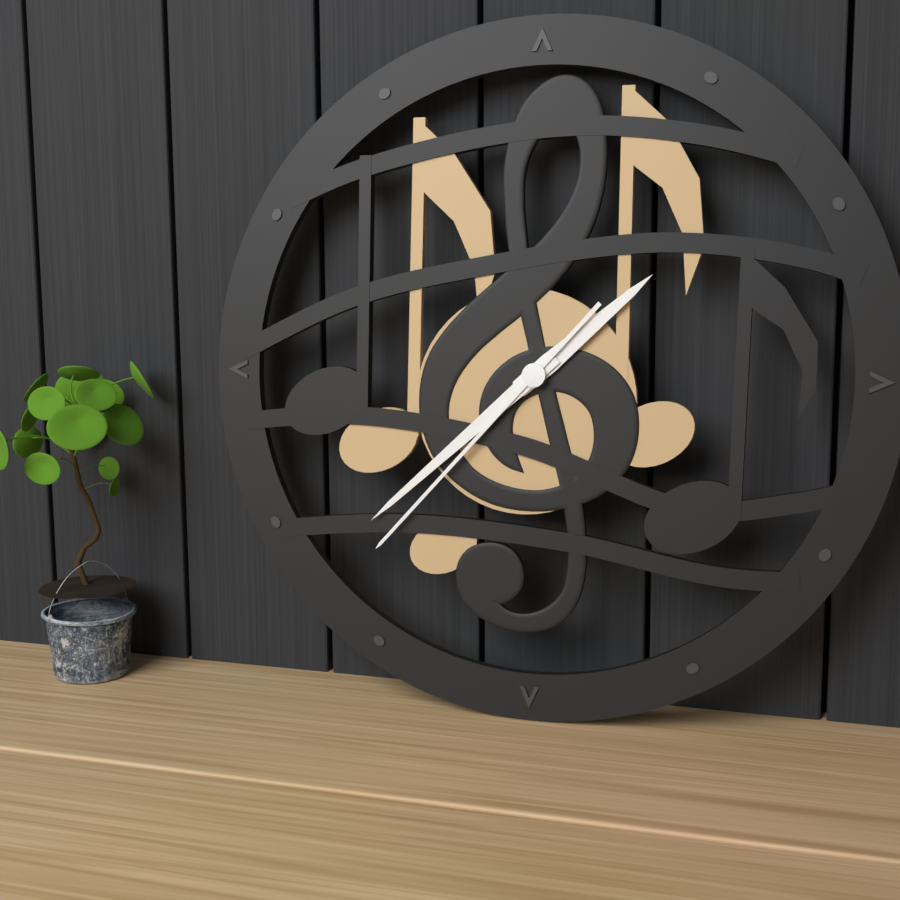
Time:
**1:38:37**
